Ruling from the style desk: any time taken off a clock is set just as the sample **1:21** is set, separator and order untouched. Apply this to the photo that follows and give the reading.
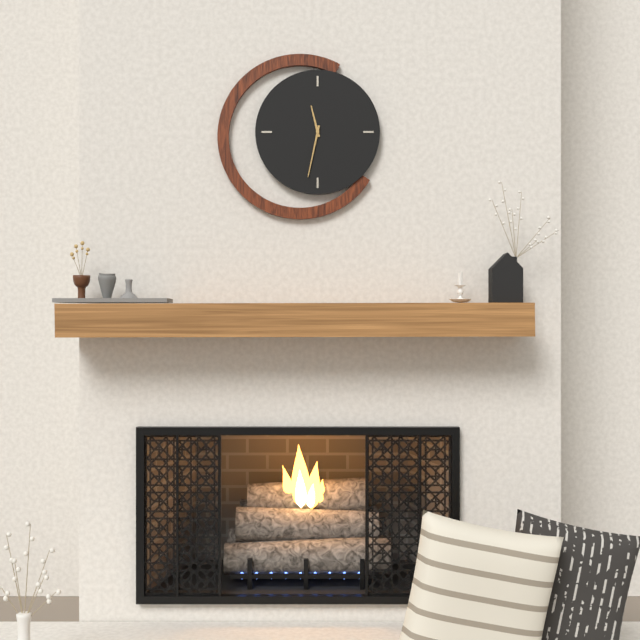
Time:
**11:32**
